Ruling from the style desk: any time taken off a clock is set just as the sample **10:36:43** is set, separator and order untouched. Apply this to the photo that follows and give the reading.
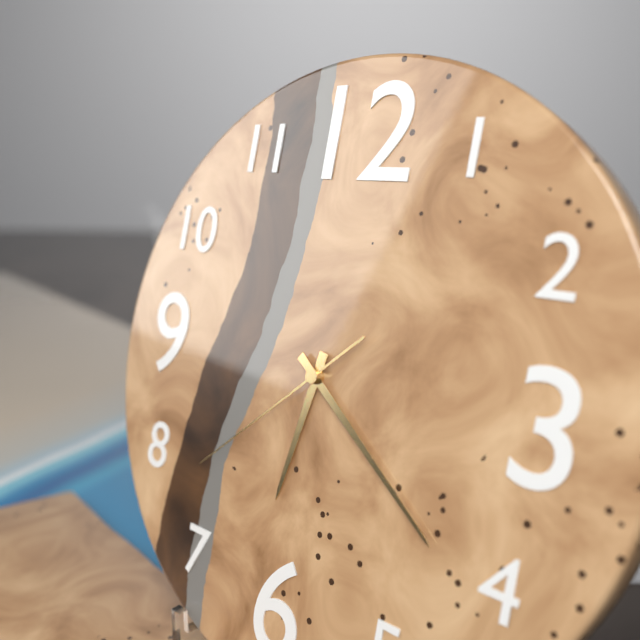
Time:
**6:21:38**
